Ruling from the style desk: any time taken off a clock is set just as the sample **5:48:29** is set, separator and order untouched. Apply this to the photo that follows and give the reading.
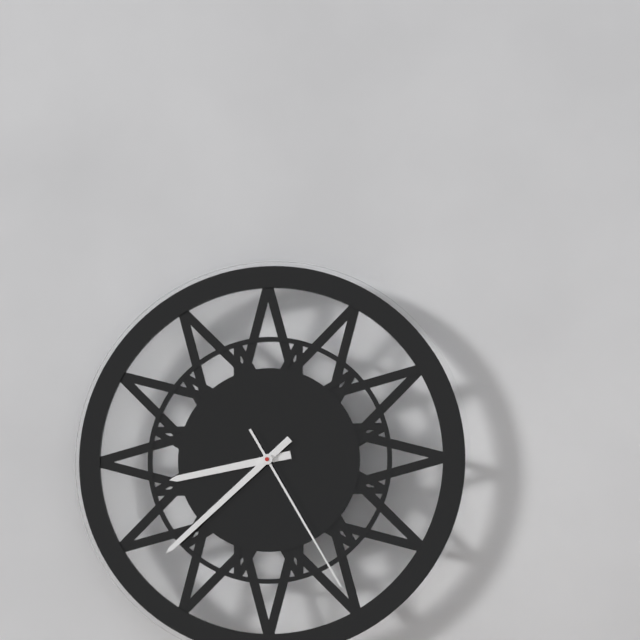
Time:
**8:38:25**
